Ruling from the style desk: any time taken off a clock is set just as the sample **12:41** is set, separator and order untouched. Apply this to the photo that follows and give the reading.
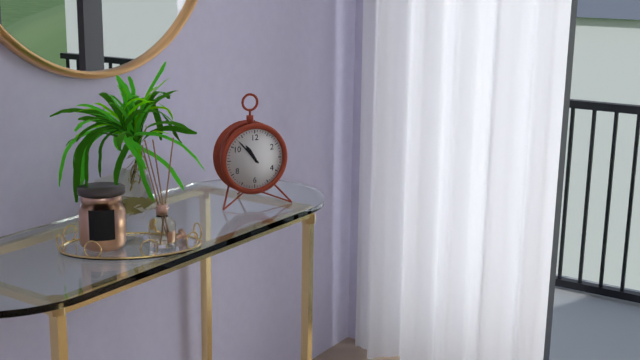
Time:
**10:53**
